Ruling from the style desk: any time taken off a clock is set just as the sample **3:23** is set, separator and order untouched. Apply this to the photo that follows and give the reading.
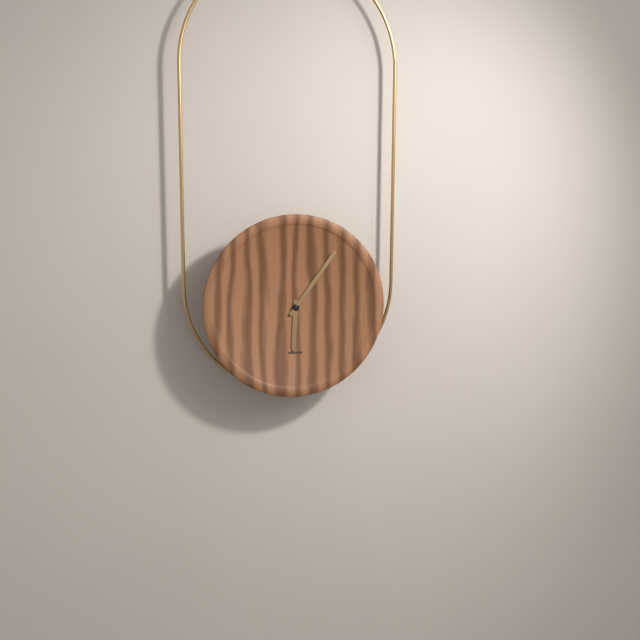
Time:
**6:06**
